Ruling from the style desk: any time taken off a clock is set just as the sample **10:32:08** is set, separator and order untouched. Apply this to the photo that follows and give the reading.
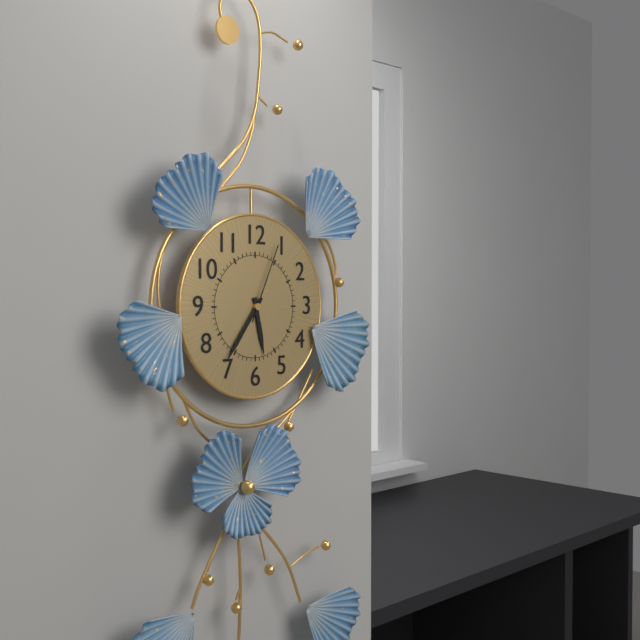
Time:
**5:36:04**
